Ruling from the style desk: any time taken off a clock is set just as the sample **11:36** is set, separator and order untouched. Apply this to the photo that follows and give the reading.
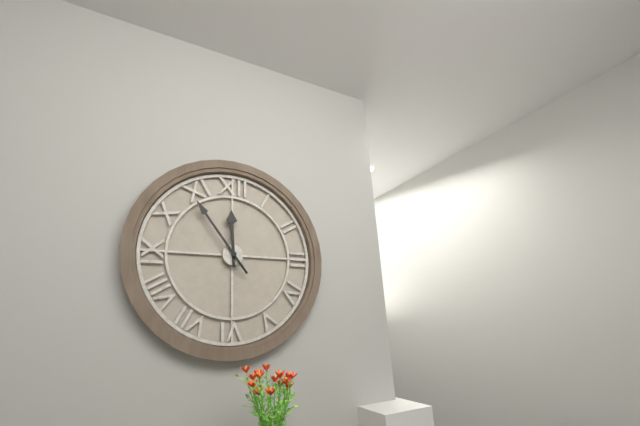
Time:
**11:54**
